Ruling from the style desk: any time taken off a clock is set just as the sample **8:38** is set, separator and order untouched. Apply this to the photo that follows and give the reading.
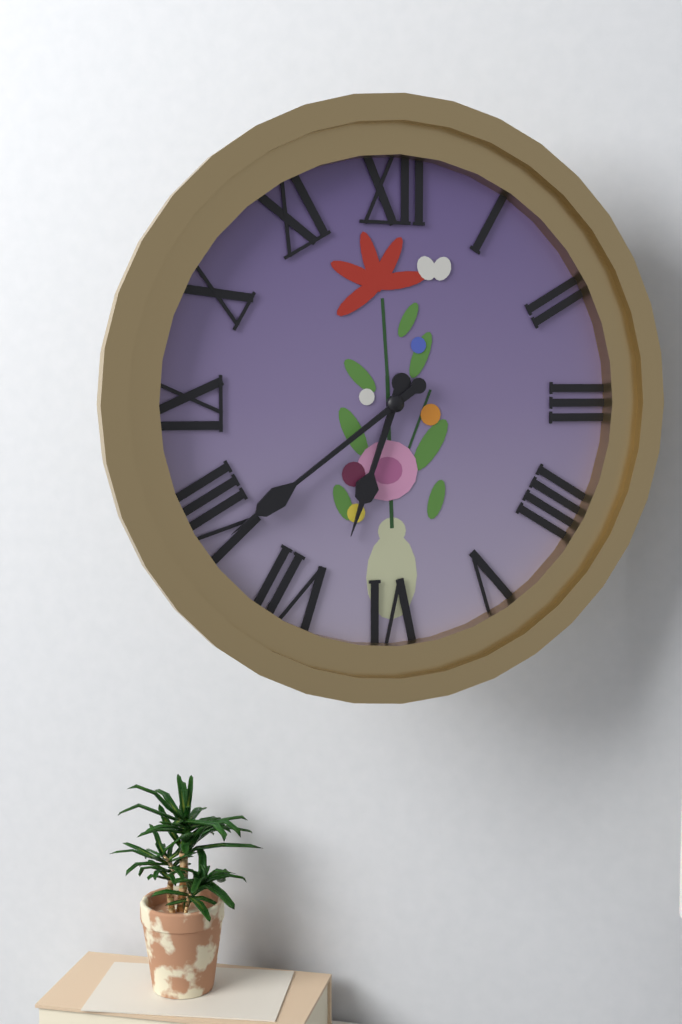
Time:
**6:39**
